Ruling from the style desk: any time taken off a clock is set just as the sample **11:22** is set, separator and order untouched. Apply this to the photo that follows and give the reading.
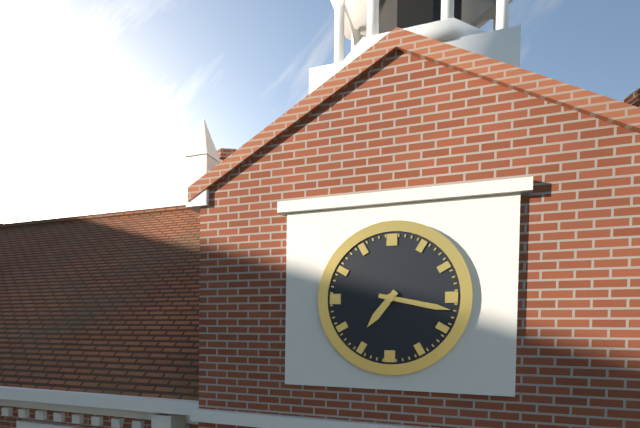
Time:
**7:17**
